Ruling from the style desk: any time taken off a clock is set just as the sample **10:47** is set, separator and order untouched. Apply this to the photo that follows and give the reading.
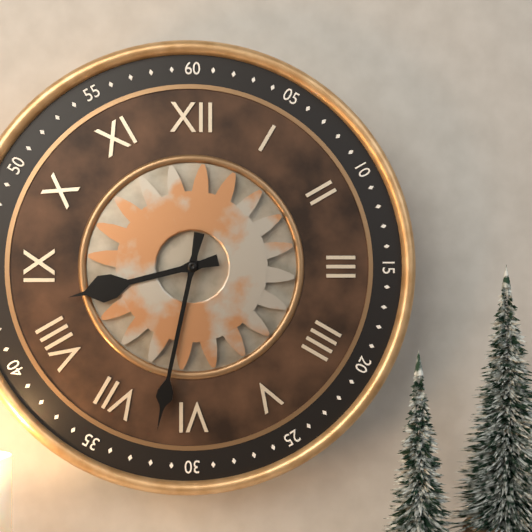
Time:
**8:32**
